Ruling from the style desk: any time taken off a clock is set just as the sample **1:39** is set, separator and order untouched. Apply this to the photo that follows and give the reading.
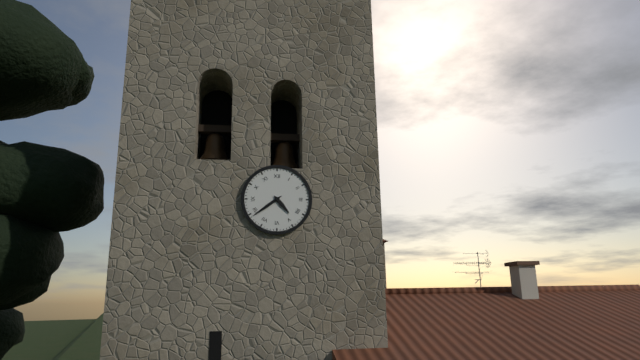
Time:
**4:39**
